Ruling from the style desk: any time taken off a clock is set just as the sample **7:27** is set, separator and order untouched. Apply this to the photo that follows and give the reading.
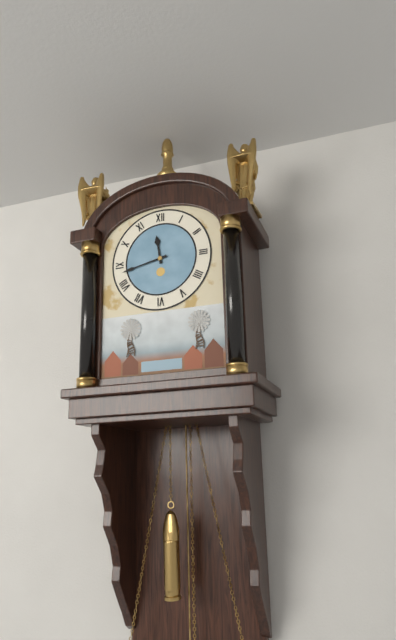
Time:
**11:43**
